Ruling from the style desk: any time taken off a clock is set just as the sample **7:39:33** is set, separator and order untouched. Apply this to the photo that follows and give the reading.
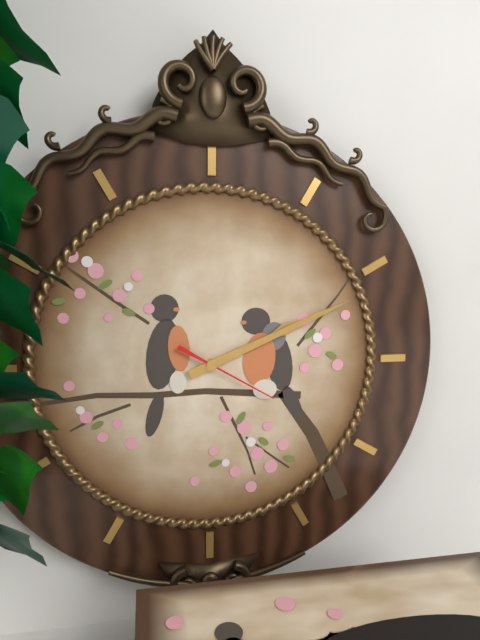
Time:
**2:11:20**
